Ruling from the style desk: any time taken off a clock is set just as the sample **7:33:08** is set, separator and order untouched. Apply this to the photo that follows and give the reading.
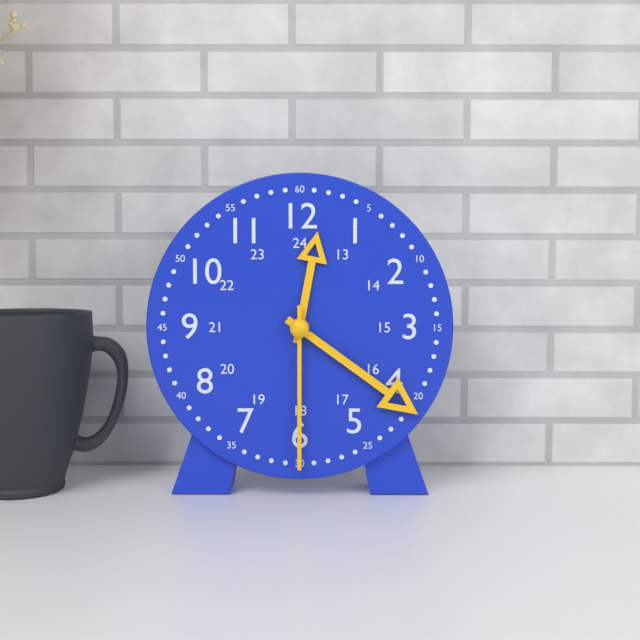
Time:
**12:21:30**
